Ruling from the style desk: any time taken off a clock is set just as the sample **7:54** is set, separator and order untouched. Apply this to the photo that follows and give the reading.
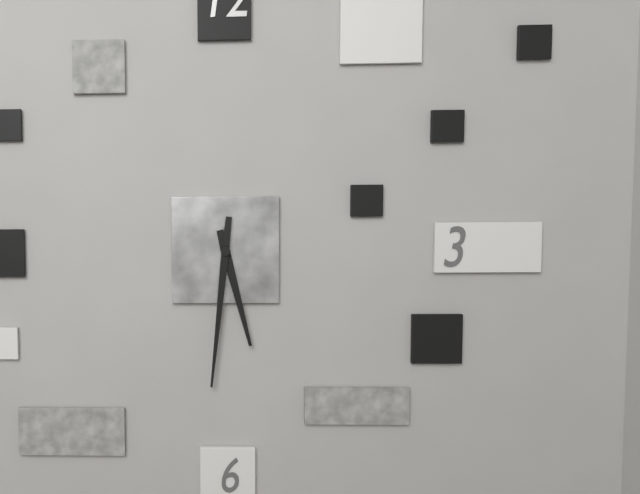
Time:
**5:31**
